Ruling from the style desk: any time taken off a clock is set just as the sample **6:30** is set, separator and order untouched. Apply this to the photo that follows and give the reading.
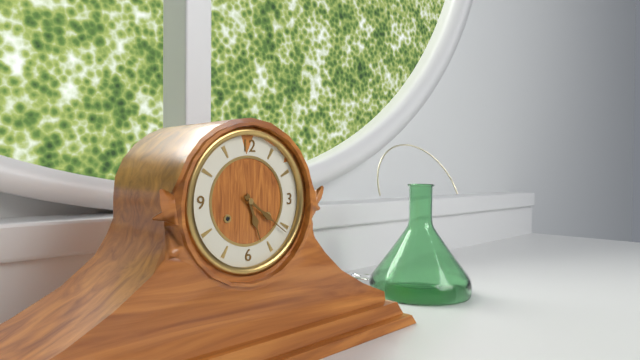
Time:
**5:21**
